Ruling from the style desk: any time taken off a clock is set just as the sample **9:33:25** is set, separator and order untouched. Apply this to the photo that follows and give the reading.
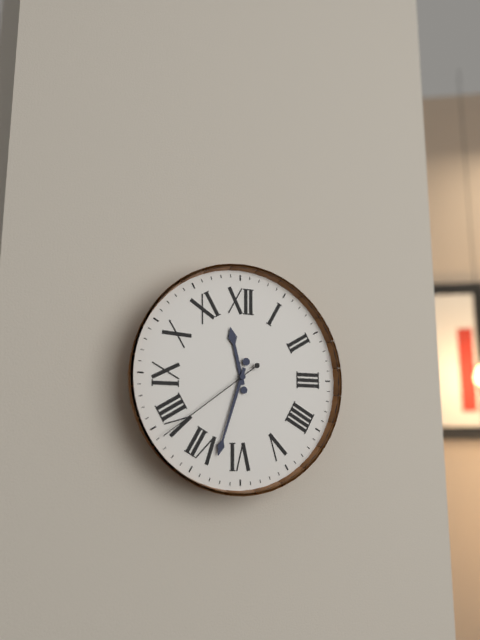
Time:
**11:33:39**
